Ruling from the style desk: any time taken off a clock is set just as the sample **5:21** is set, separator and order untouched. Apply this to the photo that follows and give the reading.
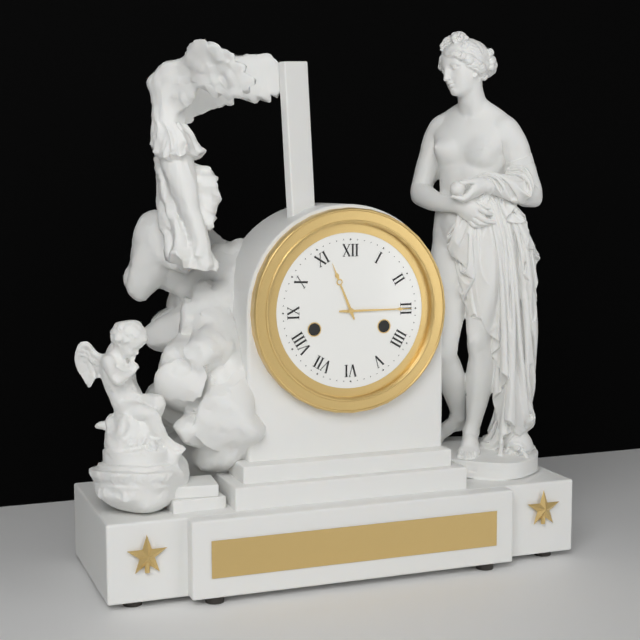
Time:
**11:15**
